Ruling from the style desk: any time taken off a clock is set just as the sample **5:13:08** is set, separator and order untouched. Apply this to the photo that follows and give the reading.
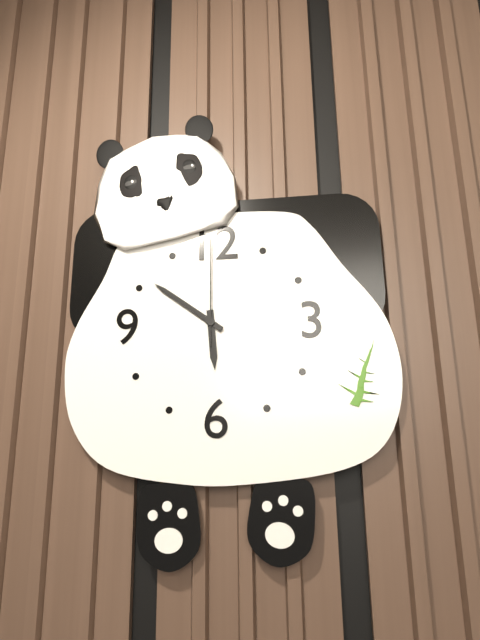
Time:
**5:51:00**
